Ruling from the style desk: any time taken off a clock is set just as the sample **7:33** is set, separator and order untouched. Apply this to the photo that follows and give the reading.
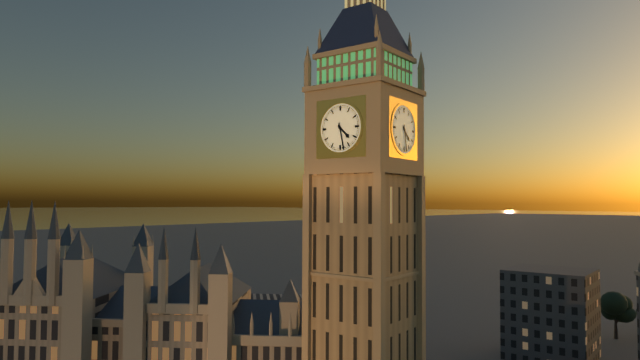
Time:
**4:28**
